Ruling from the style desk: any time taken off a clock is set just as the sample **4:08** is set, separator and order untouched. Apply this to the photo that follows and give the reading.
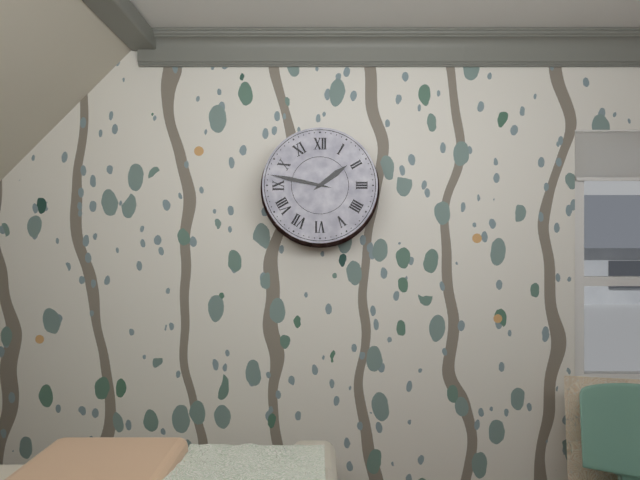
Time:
**1:47**
